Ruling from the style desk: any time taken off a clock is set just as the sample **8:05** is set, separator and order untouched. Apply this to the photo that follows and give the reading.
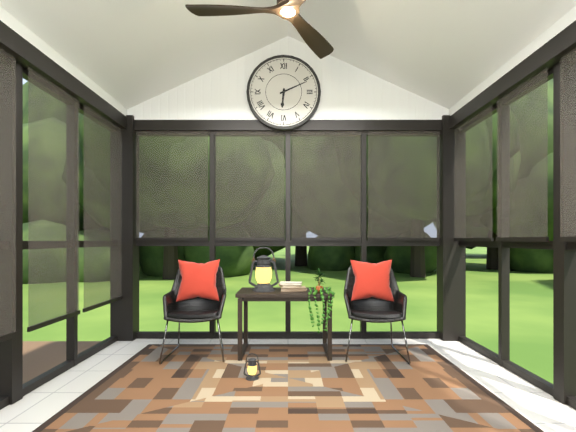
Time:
**6:11**
